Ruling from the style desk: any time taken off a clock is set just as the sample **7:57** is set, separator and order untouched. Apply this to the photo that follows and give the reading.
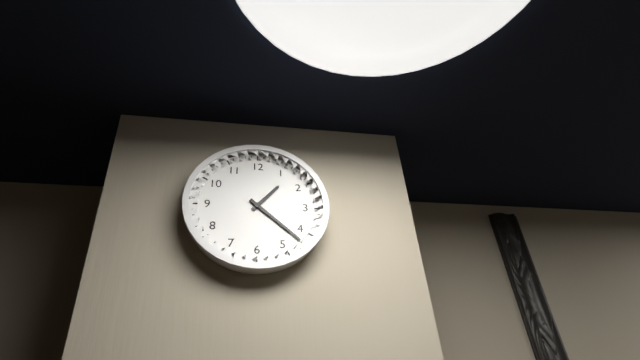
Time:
**1:22**
